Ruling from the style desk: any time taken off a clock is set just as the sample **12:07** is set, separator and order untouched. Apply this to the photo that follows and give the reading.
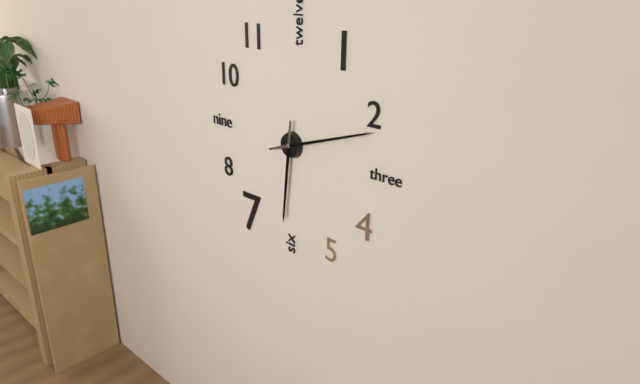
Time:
**6:12**
